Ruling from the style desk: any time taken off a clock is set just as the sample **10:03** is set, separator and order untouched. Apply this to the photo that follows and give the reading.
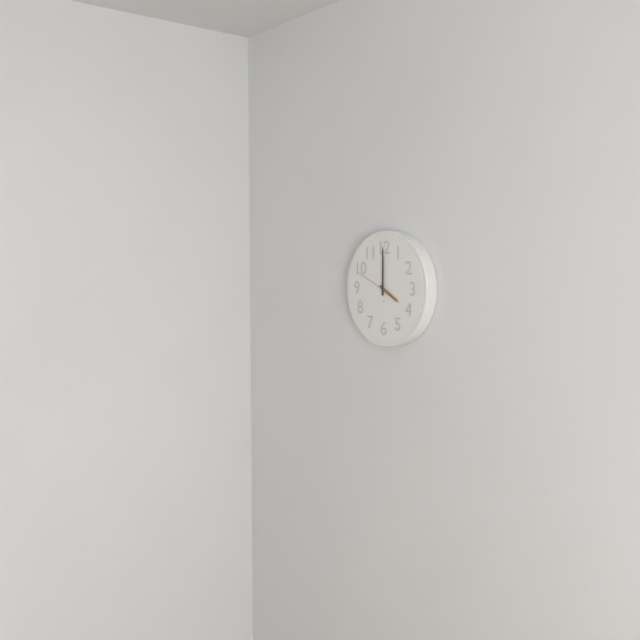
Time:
**4:00**
